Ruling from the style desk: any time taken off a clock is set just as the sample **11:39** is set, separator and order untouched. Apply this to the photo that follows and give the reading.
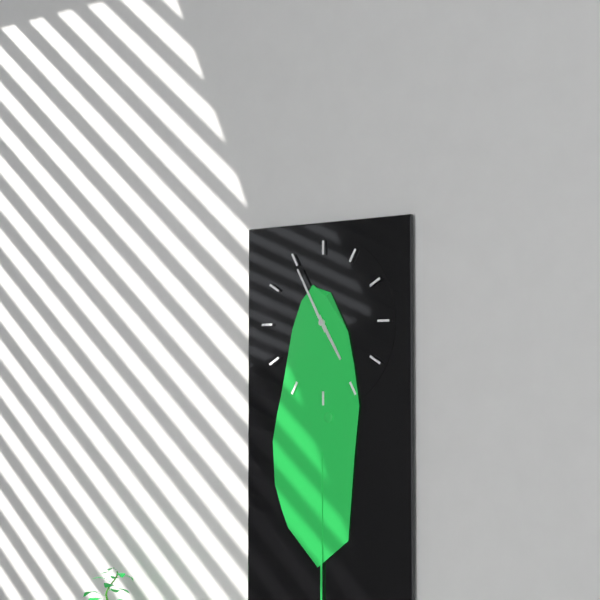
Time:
**4:55**
